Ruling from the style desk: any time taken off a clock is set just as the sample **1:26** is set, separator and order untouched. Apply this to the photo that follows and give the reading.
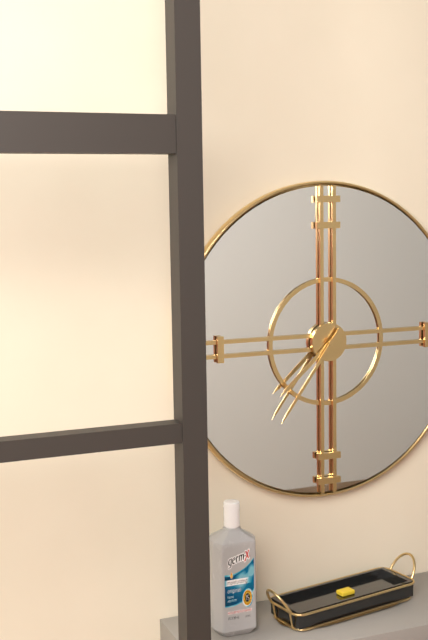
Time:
**7:36**
